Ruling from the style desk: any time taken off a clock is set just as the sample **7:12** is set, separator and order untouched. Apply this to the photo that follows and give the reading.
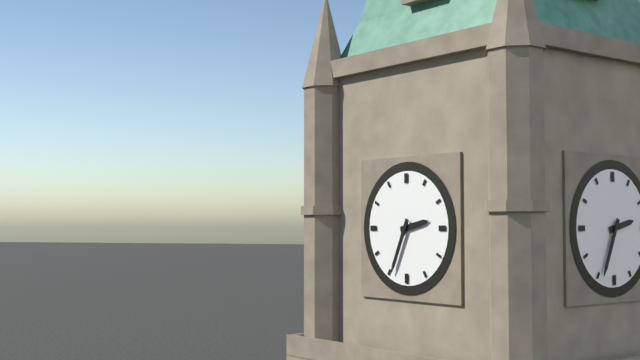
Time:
**2:34**
